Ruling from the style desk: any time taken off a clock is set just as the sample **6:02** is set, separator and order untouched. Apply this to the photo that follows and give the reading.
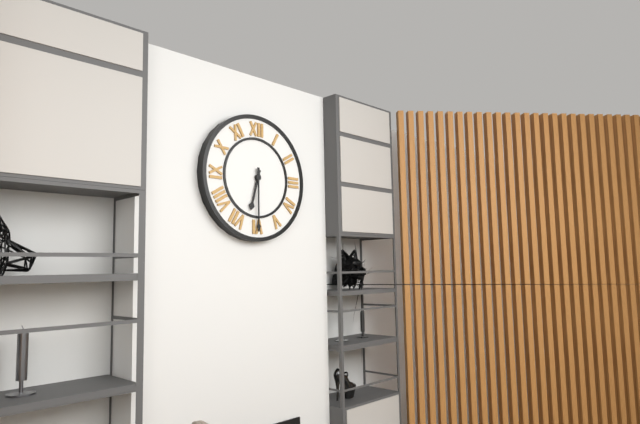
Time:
**6:30**
